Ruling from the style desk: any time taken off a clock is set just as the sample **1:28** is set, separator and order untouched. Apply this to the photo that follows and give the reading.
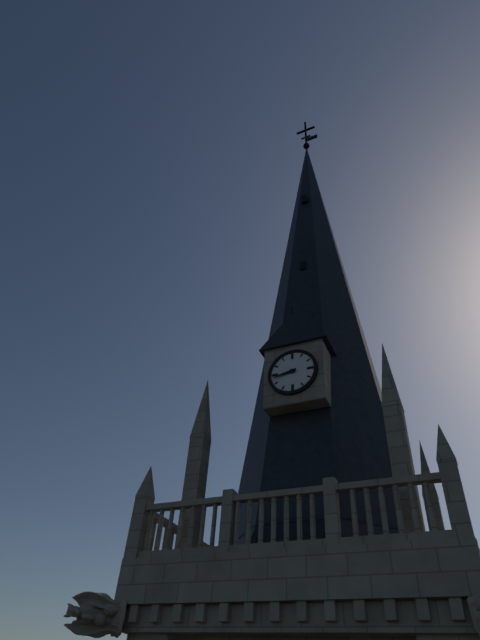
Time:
**8:43**
